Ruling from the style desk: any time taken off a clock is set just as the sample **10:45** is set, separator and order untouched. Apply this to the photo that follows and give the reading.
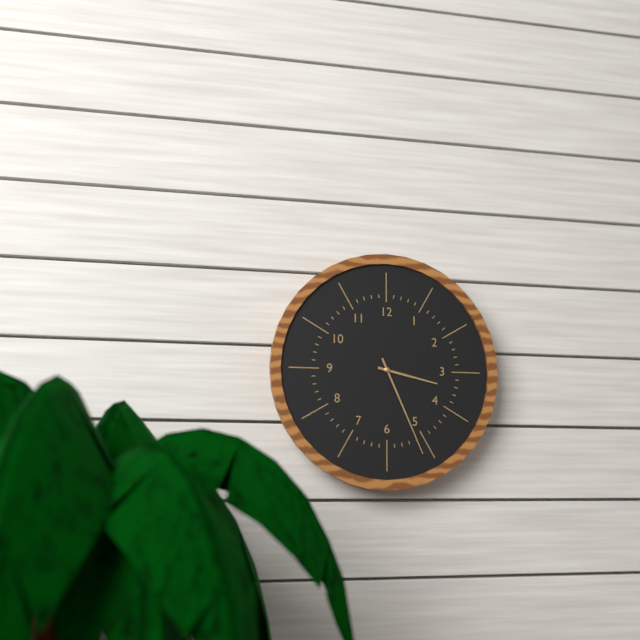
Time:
**3:26**
